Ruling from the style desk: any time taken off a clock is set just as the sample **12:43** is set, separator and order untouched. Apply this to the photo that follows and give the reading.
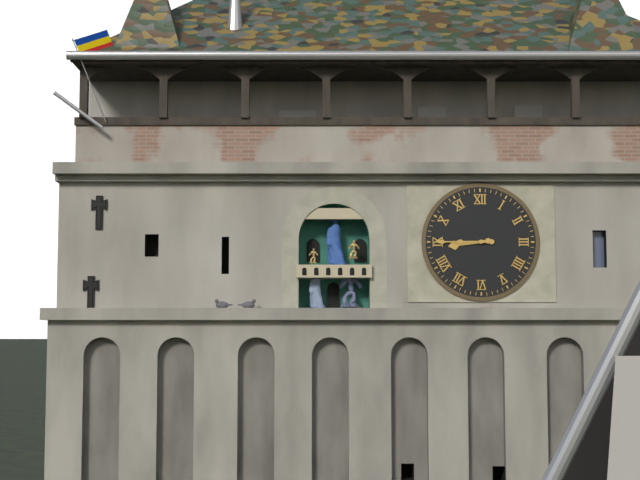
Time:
**8:45**
